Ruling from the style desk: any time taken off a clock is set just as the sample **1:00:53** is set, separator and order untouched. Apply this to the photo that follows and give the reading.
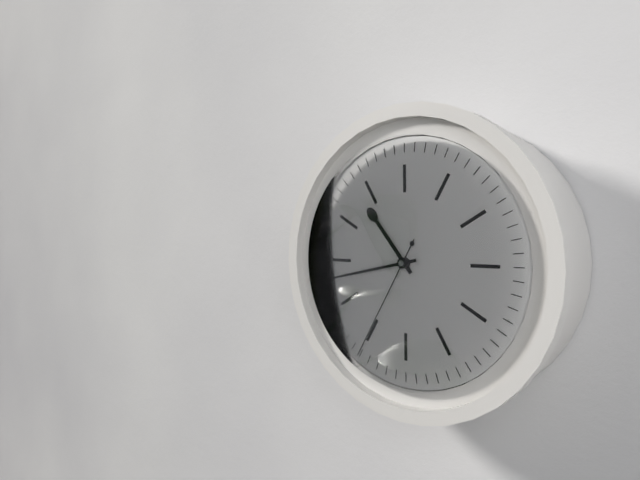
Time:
**10:43:35**
